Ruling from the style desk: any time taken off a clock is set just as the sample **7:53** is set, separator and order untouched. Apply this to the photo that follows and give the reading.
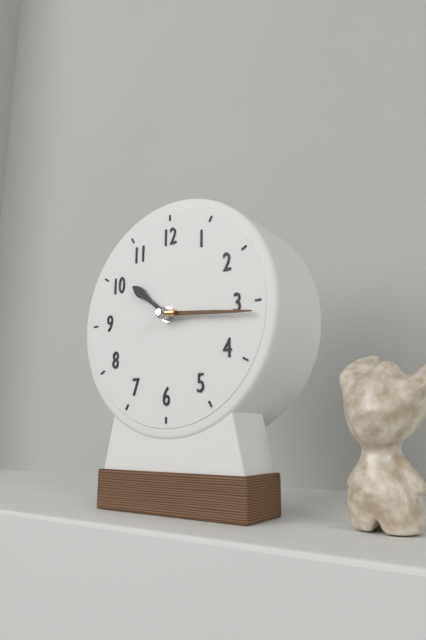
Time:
**10:16**
